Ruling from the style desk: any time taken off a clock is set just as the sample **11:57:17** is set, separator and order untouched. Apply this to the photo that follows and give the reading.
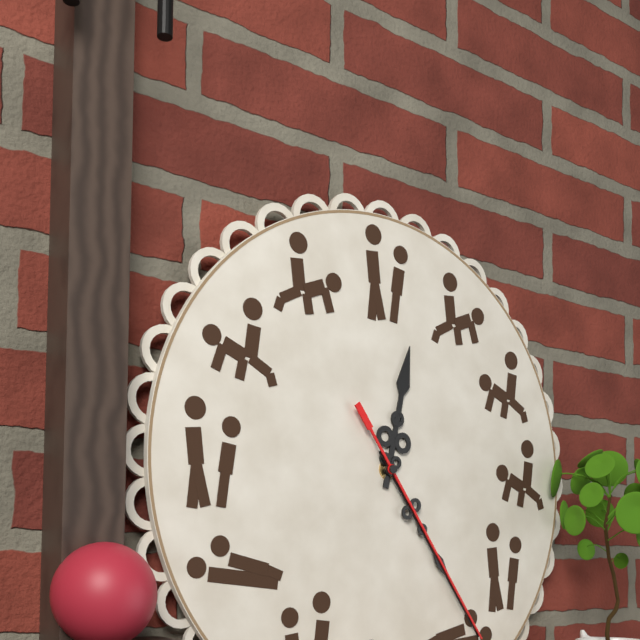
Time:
**12:24:24**
